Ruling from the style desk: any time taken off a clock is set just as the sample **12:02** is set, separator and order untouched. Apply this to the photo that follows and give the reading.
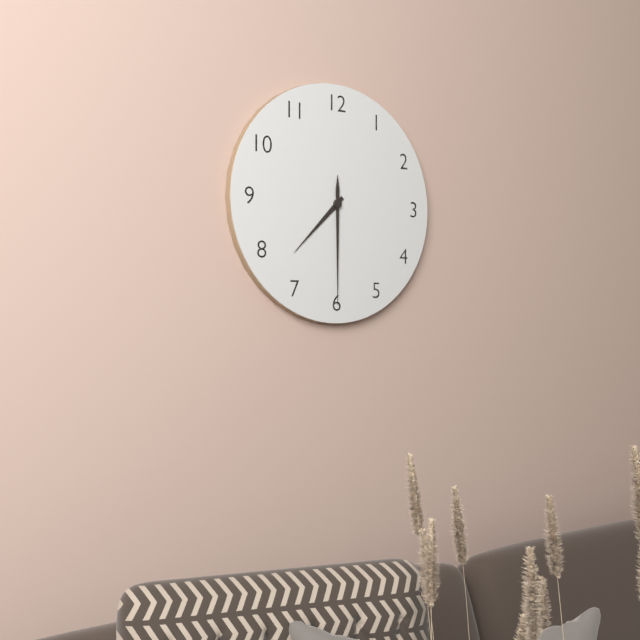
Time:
**7:30**
